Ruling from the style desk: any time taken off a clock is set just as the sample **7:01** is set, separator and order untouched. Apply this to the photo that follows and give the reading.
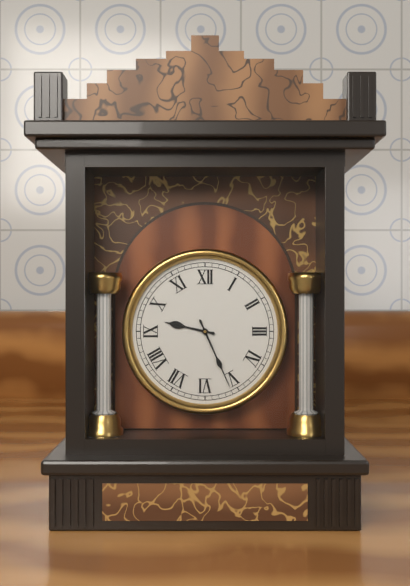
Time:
**9:26**
